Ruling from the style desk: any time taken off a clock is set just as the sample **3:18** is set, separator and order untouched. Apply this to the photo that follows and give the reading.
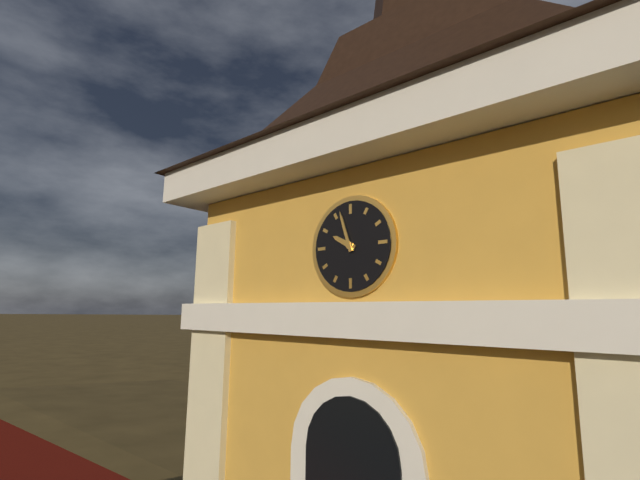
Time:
**9:57**
